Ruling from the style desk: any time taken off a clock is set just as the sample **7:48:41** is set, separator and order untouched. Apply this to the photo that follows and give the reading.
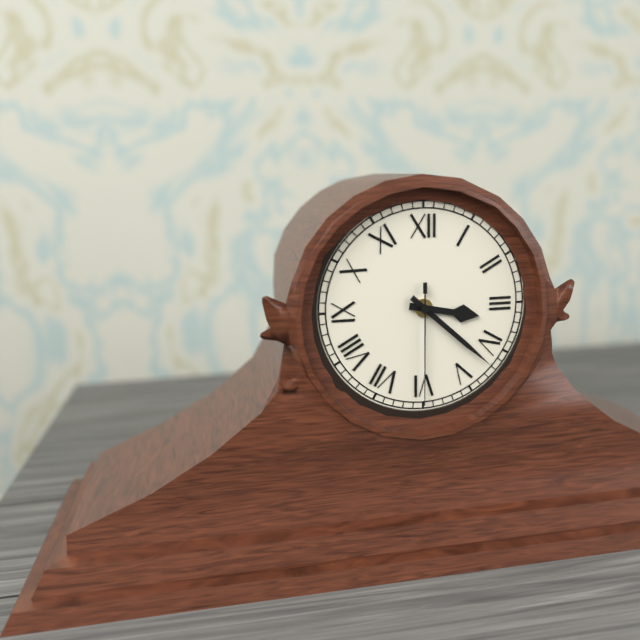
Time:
**3:22:30**
